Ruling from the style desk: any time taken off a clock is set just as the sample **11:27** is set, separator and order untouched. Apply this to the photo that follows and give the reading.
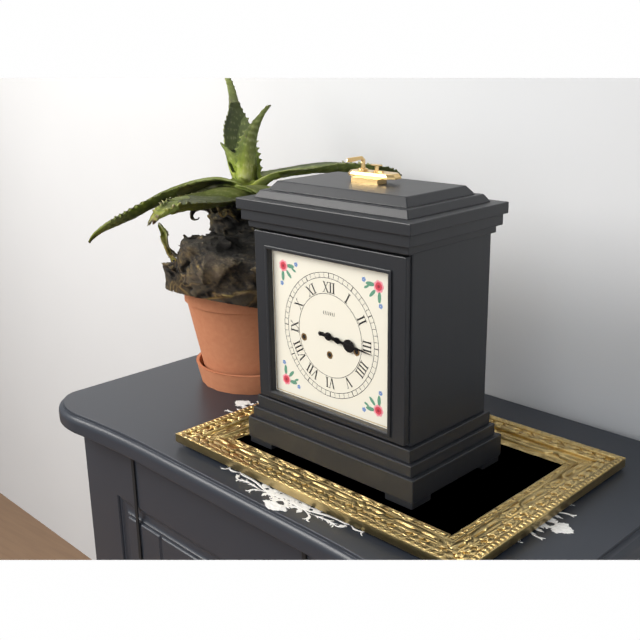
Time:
**3:16**
